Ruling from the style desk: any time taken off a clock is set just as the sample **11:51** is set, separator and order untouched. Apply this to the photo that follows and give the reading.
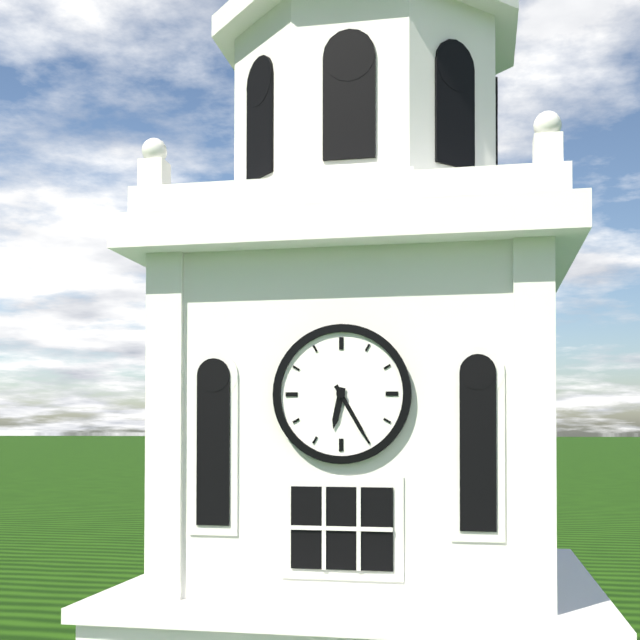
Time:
**6:25**
